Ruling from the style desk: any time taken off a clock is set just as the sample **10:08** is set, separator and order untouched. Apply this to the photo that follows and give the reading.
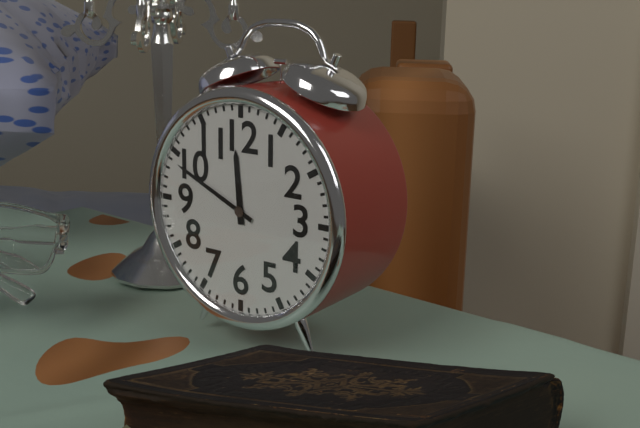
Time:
**11:49**
